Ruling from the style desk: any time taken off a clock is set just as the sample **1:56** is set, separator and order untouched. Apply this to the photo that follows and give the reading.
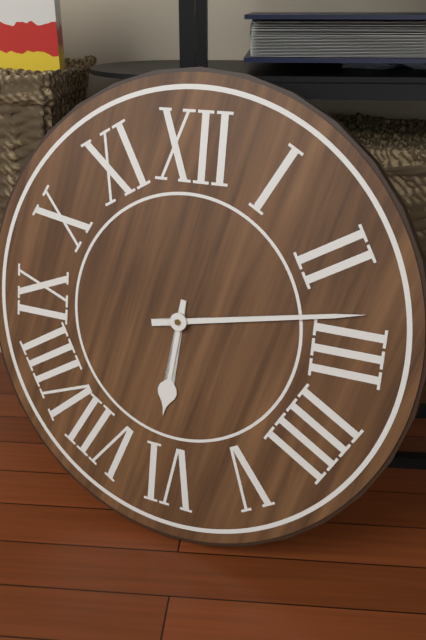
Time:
**6:13**
